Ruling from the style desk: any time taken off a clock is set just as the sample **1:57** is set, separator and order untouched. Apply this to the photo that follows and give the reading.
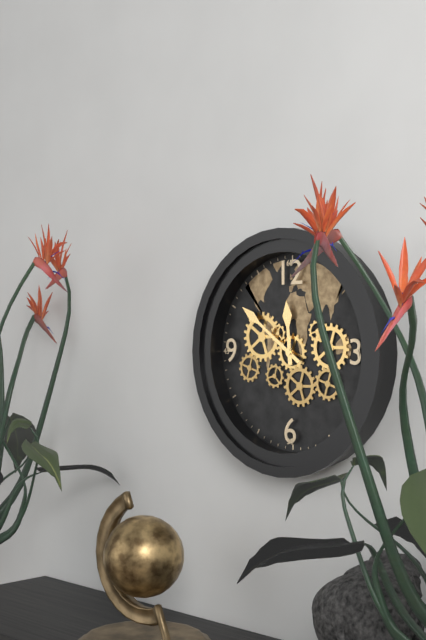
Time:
**11:51**
